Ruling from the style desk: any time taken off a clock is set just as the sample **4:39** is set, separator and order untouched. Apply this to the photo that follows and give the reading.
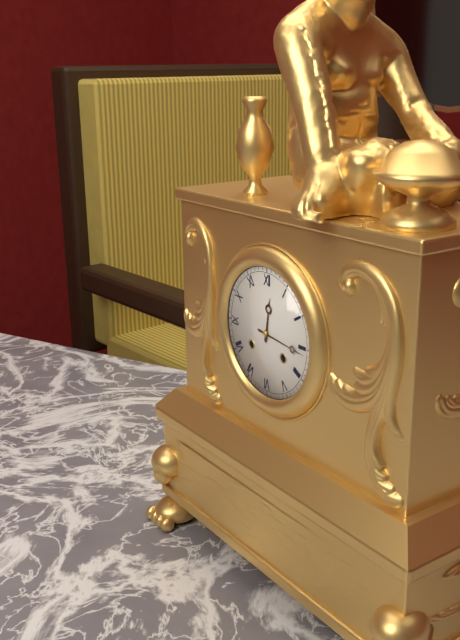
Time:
**12:16**
